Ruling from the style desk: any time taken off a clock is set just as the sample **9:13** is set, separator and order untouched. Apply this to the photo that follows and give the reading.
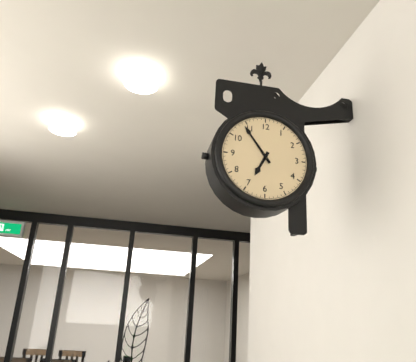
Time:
**6:54**
